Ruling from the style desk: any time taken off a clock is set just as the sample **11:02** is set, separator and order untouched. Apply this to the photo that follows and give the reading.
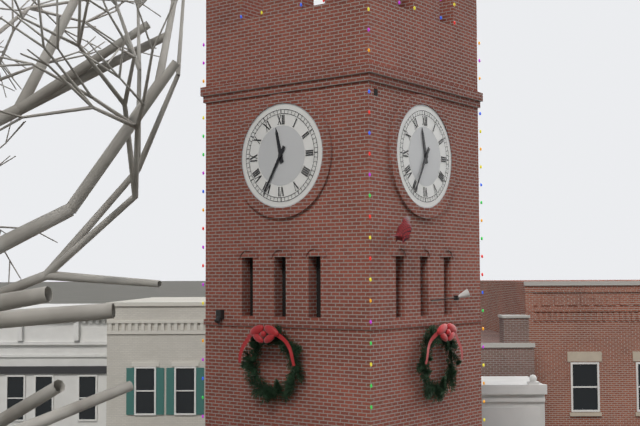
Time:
**11:35**
